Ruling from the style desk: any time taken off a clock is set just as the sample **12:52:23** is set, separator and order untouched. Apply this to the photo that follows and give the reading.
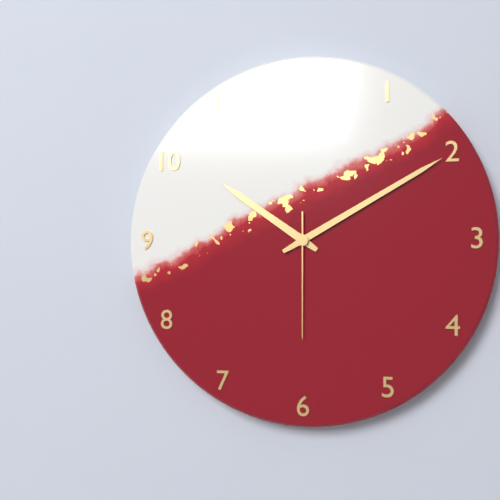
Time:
**10:10:30**
